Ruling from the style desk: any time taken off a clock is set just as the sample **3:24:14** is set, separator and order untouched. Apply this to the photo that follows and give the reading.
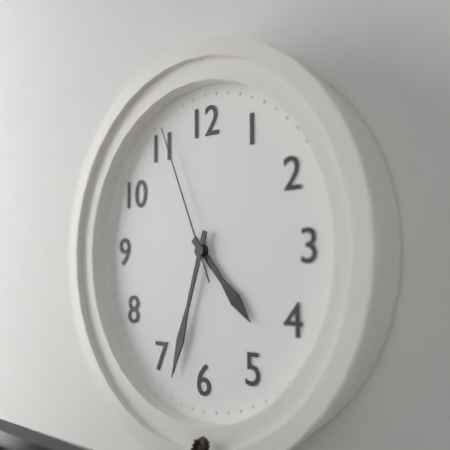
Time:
**4:33:56**
